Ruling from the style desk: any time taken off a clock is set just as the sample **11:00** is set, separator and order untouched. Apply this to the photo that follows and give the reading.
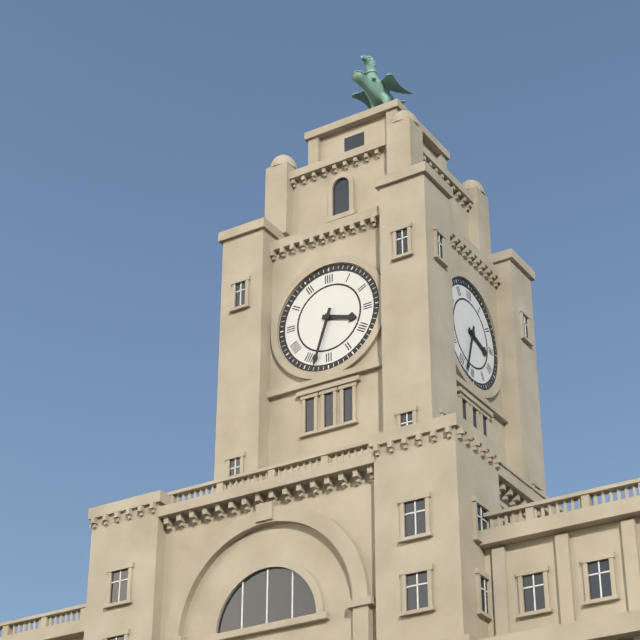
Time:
**3:33**
